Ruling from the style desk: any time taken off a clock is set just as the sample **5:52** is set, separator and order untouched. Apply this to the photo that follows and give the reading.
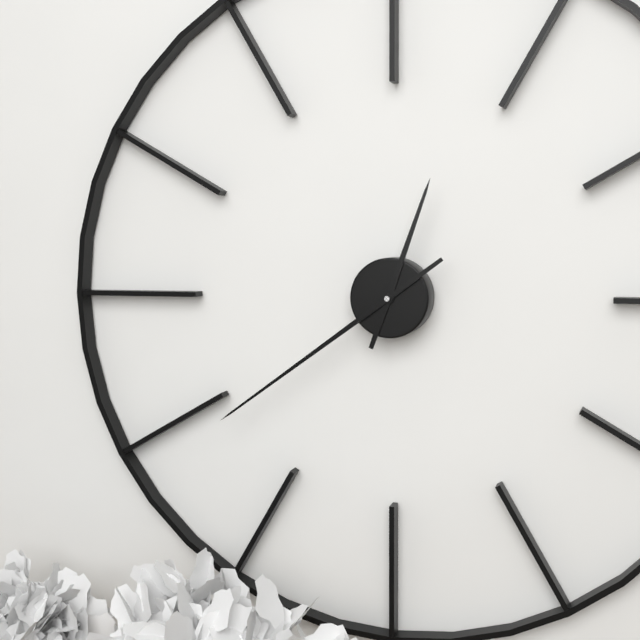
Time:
**12:39**
